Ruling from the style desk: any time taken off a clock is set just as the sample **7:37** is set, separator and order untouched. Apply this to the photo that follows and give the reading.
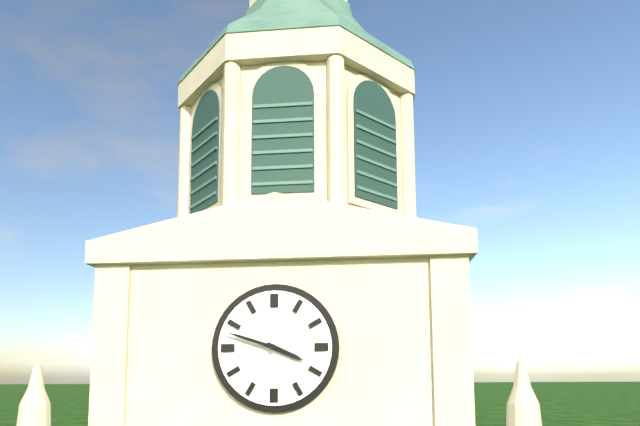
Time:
**3:48**
